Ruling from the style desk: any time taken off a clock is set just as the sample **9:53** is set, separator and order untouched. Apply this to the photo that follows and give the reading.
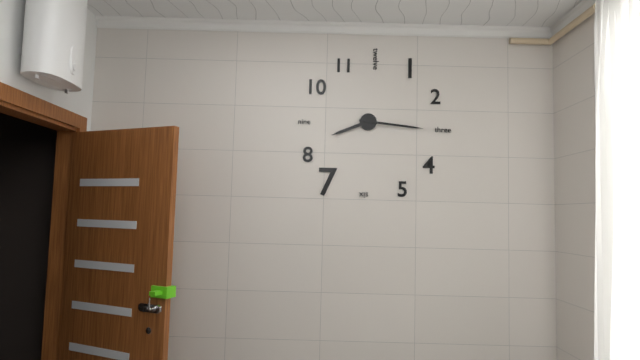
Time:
**8:16**
